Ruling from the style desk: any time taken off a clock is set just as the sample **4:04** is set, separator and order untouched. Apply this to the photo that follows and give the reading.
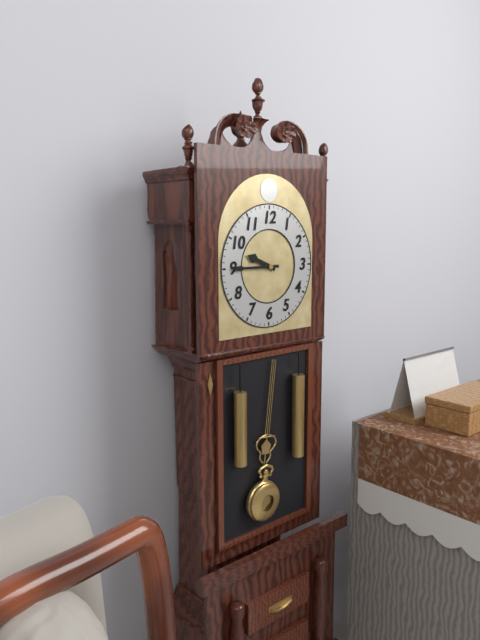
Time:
**9:45**
